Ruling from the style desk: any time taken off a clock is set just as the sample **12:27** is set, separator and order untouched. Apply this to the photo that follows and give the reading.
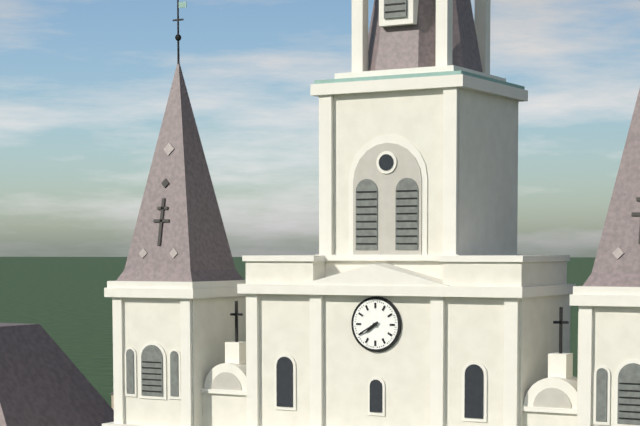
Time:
**7:40**
